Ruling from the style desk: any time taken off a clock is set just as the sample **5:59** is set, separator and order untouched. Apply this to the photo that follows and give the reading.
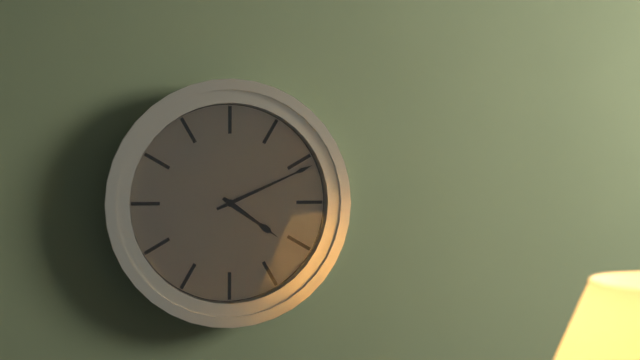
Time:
**4:11**
